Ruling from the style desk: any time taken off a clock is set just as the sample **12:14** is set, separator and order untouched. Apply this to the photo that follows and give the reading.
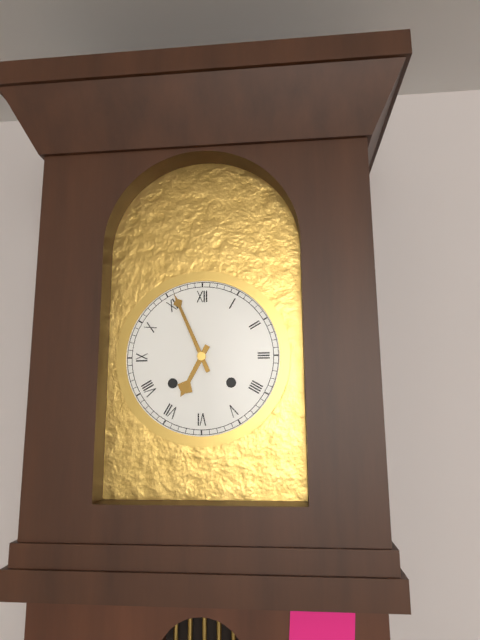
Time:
**6:56**
